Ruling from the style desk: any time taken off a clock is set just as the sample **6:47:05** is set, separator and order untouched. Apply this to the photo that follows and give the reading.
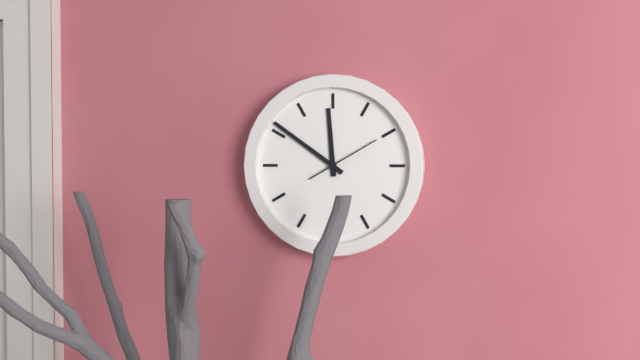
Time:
**11:51:10**
